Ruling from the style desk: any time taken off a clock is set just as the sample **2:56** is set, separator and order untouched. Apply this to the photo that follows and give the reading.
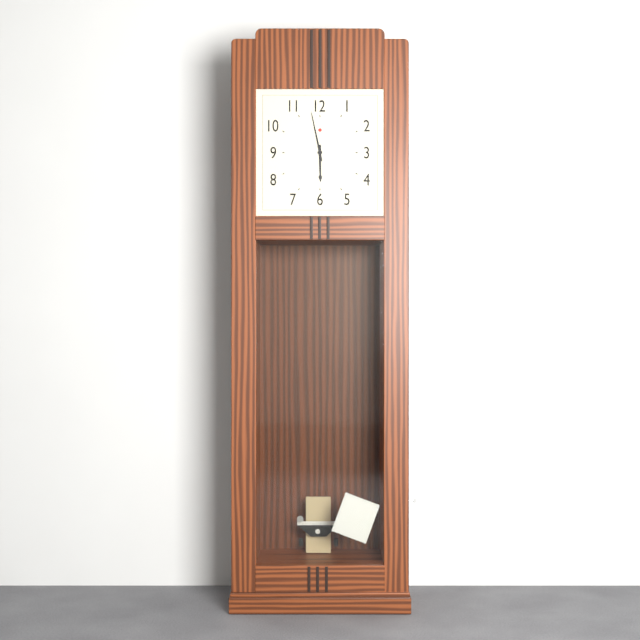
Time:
**5:58**
